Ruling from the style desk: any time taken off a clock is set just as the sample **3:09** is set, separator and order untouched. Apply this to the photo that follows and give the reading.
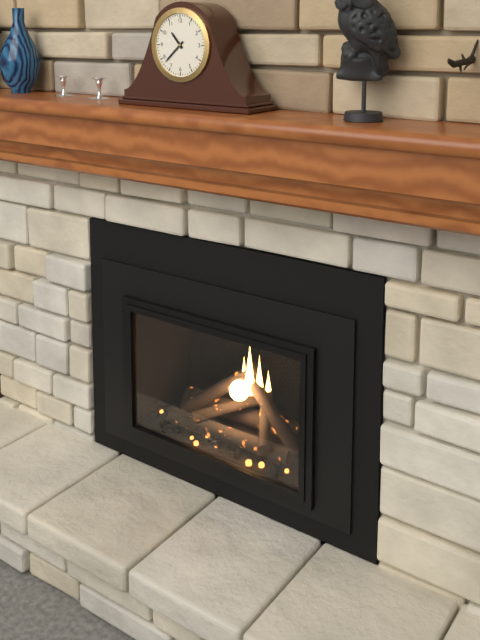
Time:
**10:38**
